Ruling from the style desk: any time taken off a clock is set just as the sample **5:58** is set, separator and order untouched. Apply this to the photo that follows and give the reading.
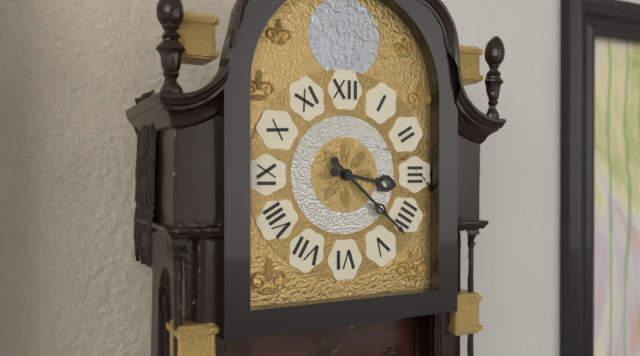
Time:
**3:22**
